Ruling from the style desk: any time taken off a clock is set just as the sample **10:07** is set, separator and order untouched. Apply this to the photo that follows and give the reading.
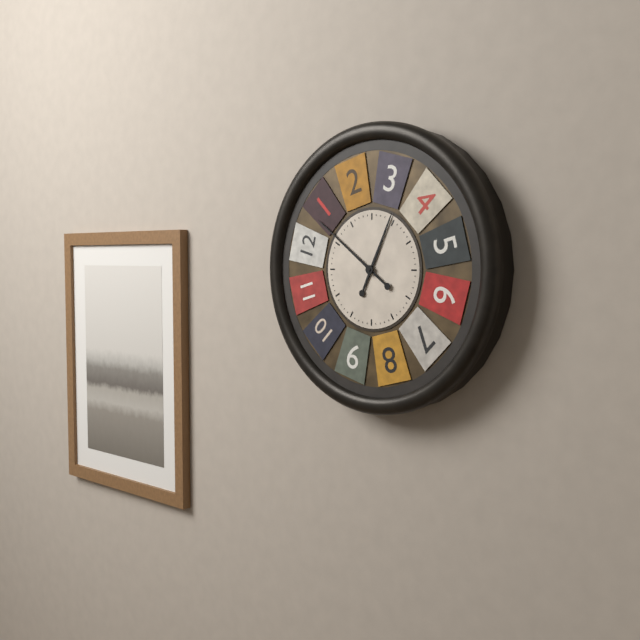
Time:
**12:51**
